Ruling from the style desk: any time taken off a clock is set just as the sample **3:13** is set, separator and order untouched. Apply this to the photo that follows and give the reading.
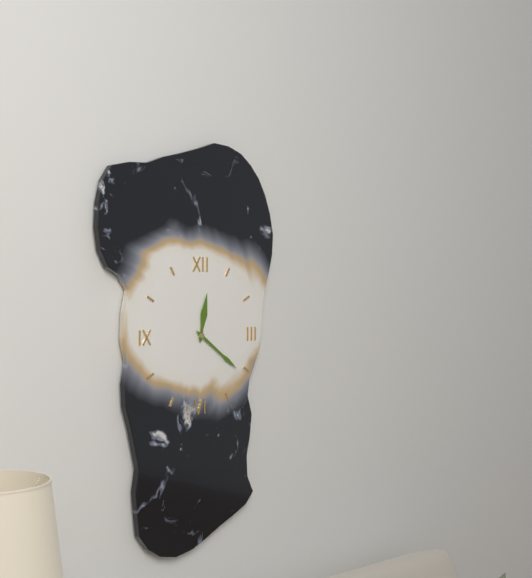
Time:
**12:21**
